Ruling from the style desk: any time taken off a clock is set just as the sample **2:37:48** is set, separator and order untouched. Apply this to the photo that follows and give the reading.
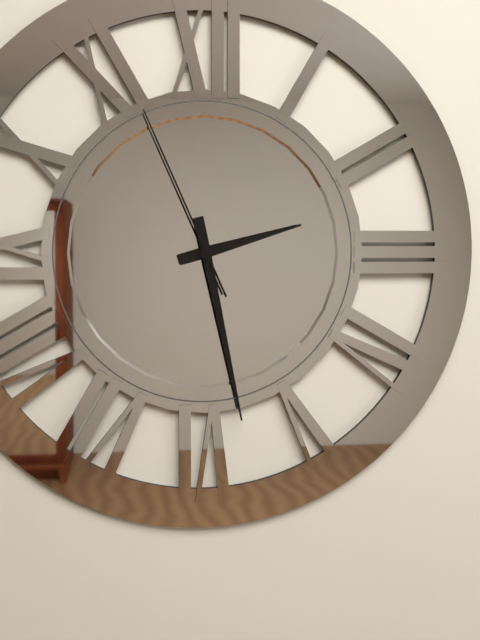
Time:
**2:28:56**
